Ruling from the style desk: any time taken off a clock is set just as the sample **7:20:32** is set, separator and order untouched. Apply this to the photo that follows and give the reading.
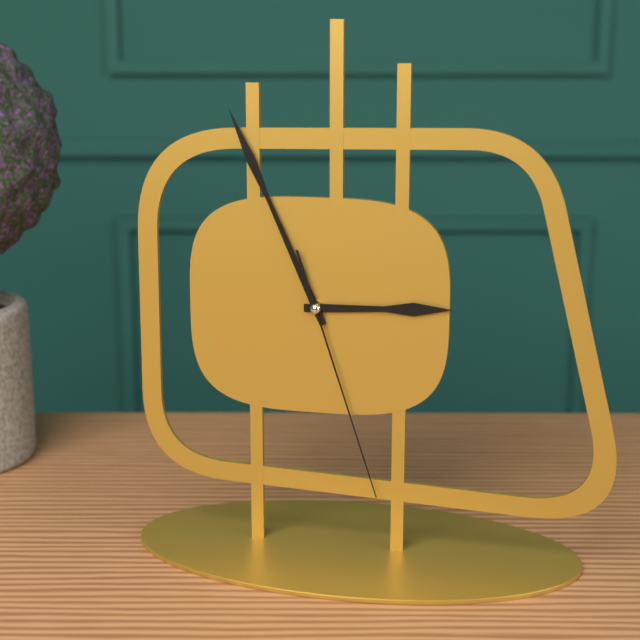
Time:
**2:56:27**
